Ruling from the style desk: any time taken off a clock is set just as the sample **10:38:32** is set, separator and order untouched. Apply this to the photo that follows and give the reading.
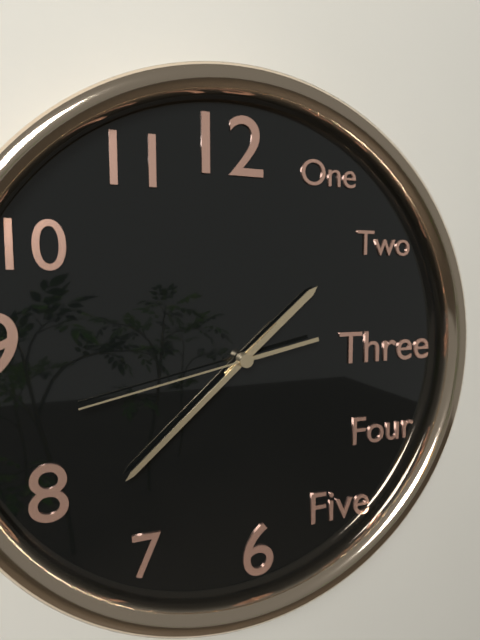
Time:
**1:38:43**
